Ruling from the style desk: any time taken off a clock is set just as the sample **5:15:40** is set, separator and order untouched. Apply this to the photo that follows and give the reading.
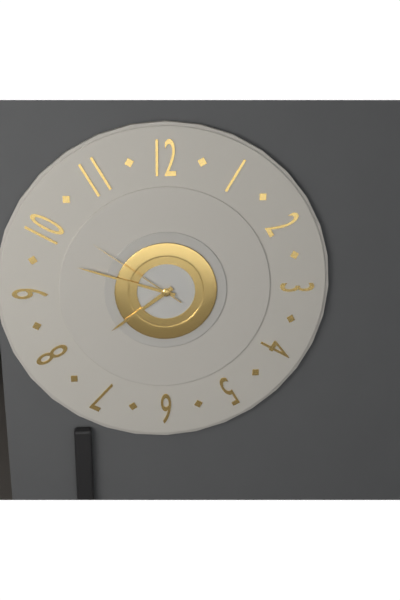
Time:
**7:48:51**
